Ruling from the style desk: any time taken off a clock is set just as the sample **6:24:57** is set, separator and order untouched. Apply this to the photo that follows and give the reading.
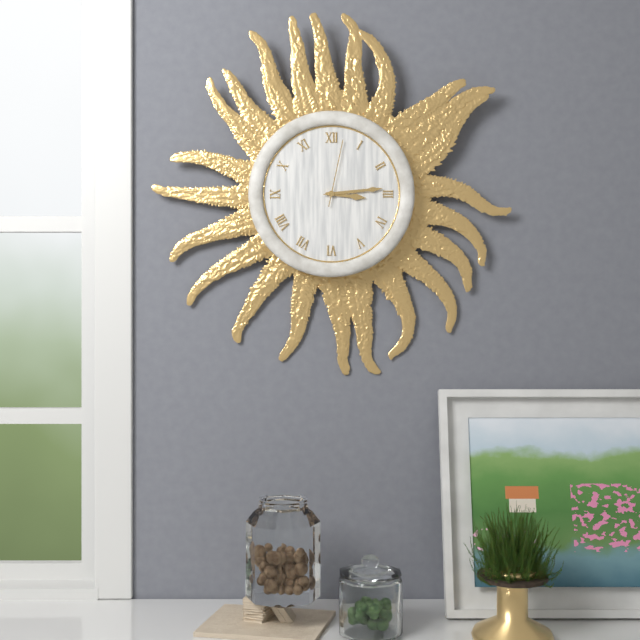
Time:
**3:14:02**
